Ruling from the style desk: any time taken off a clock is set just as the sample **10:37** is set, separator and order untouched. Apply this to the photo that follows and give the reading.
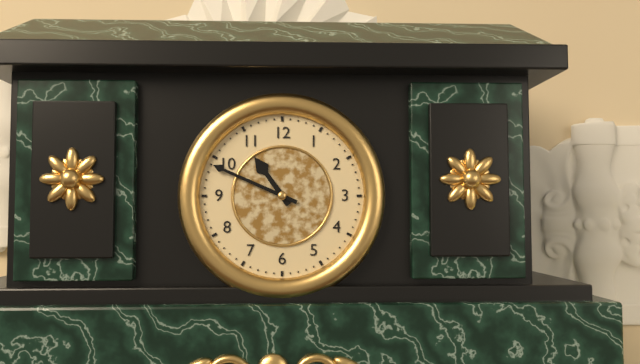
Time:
**10:49**
